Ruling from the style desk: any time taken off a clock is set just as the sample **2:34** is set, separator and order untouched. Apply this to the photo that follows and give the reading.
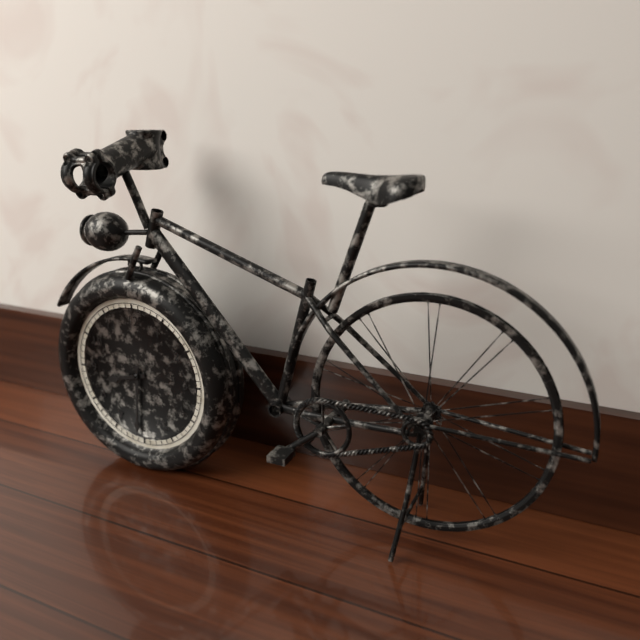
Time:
**8:31**
